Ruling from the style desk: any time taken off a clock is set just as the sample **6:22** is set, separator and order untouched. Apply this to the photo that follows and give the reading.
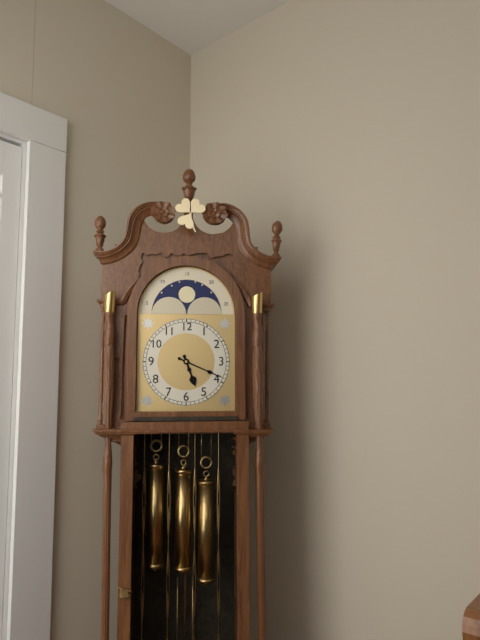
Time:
**5:19**
